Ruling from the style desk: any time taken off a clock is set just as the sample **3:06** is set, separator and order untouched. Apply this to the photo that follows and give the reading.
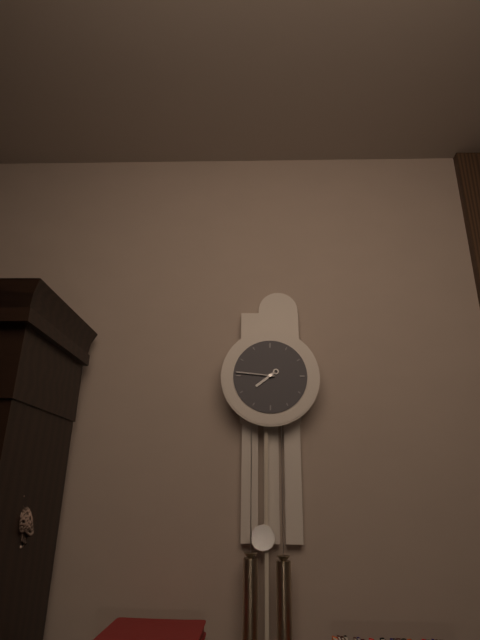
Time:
**7:46**
